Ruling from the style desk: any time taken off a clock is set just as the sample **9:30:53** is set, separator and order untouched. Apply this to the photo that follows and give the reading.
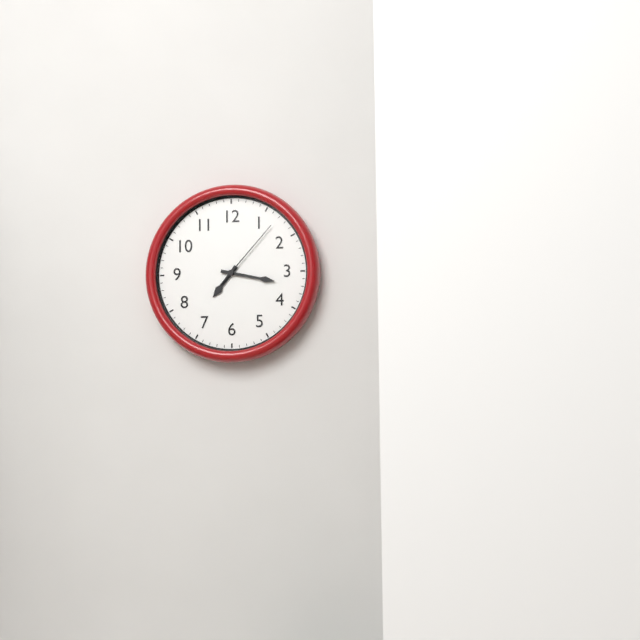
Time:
**7:17:07**
